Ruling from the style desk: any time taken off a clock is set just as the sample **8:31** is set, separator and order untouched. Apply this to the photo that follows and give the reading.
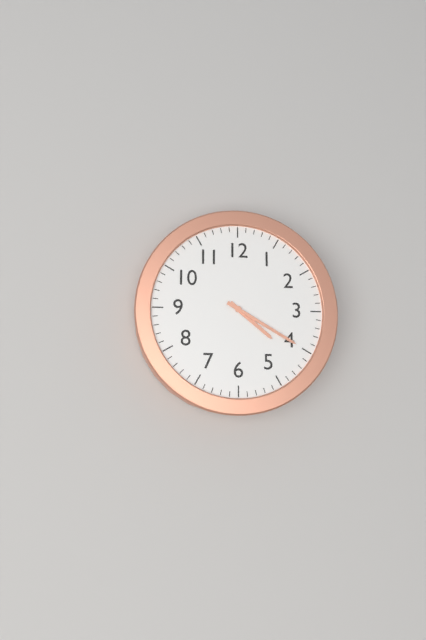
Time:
**4:20**
